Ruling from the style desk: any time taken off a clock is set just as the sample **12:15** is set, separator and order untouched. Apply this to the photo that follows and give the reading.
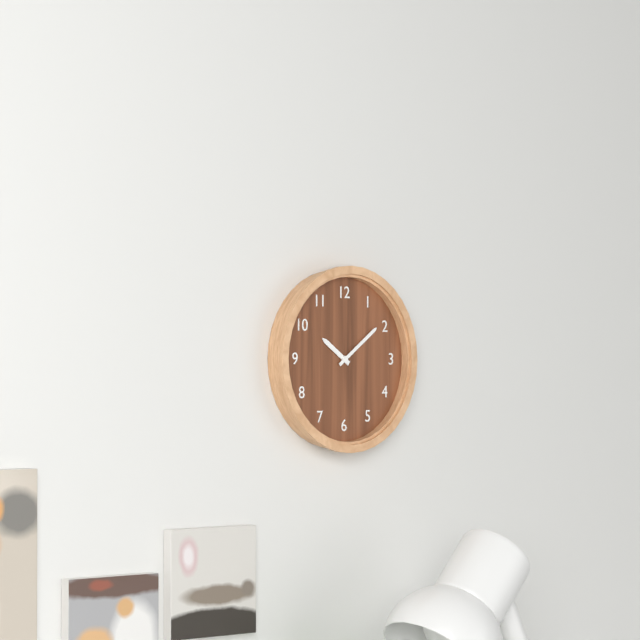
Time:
**10:09**
